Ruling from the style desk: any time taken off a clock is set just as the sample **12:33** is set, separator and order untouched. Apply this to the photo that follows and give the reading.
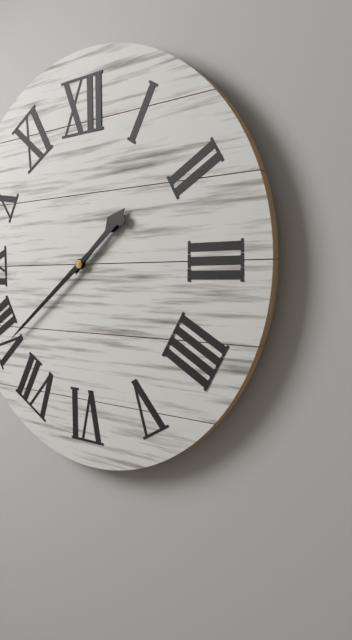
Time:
**1:39**
